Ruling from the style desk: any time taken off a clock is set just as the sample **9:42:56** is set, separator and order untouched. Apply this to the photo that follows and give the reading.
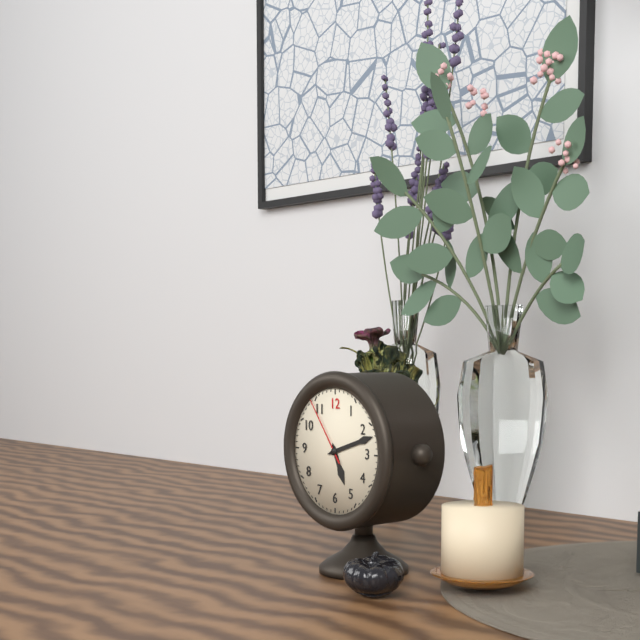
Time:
**5:12:54**
